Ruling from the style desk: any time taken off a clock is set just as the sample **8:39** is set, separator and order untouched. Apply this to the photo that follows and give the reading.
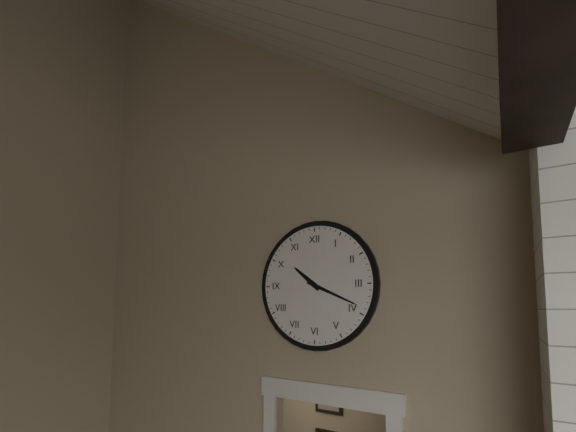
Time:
**10:19**
